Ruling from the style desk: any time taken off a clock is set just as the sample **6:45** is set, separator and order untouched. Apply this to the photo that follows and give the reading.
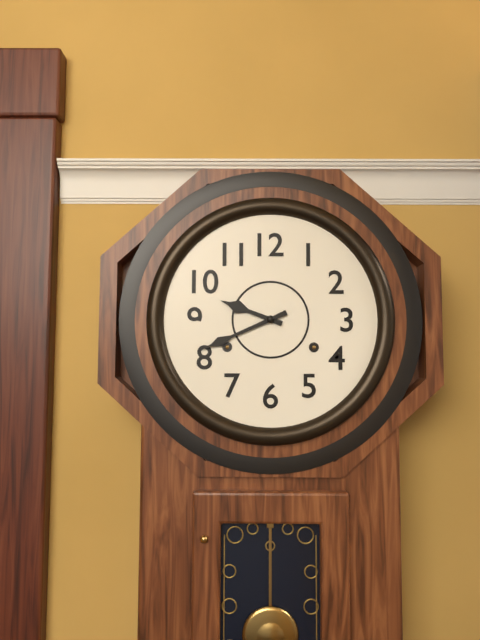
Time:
**9:41**
